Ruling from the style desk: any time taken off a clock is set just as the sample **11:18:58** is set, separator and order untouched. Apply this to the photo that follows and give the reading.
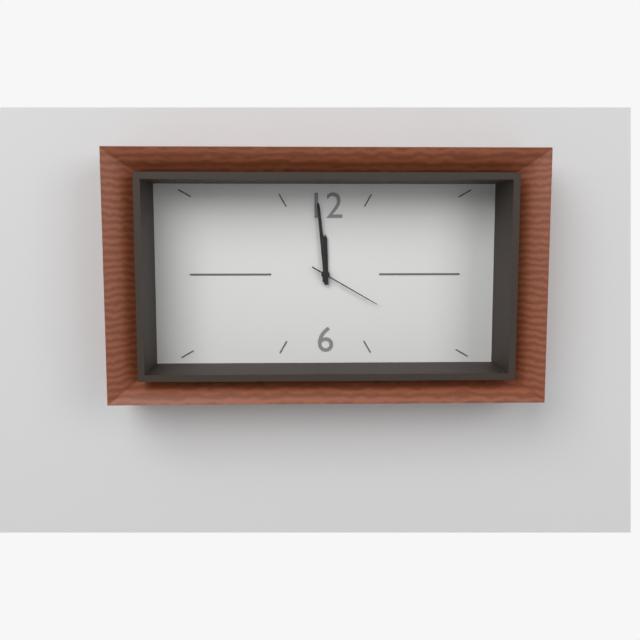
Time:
**11:59:20**
